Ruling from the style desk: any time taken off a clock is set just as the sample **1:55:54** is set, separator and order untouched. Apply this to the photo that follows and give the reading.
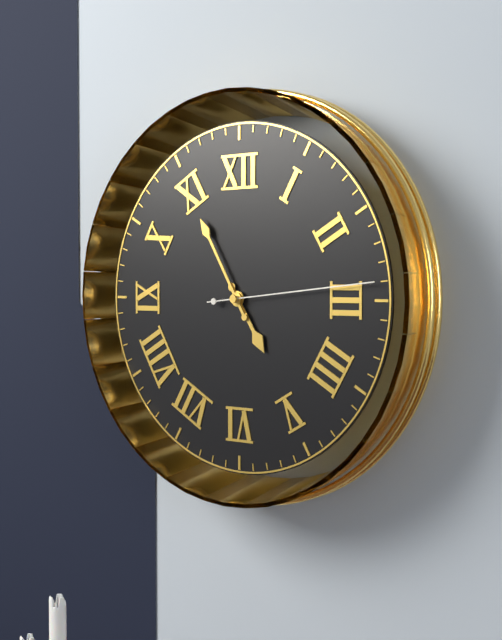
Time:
**4:55:14**
